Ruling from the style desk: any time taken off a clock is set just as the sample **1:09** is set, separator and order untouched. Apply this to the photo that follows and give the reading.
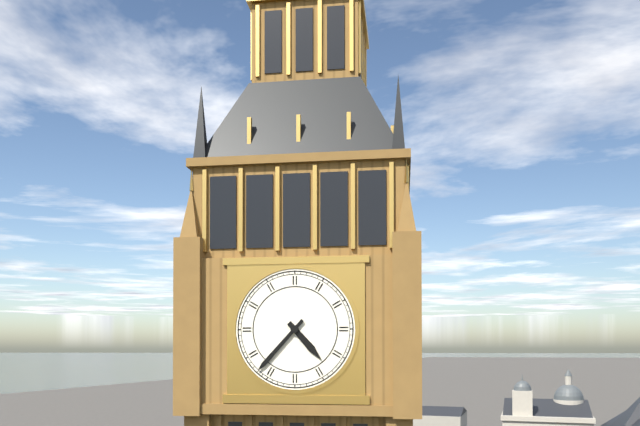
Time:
**4:37**
